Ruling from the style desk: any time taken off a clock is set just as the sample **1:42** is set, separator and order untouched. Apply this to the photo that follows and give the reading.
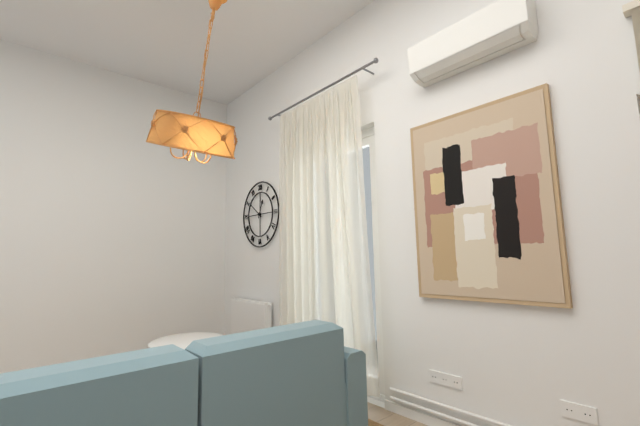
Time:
**12:51**
